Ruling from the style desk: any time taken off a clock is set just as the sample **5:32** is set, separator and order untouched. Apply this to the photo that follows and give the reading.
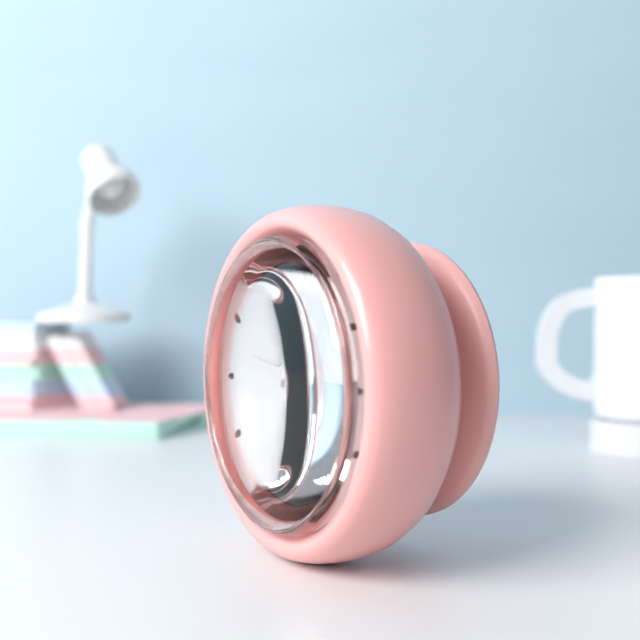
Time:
**9:33**
